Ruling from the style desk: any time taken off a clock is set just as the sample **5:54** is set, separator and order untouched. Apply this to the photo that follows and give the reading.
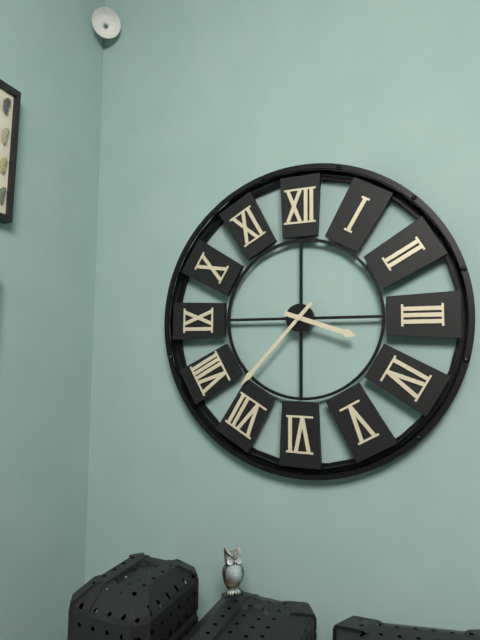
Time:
**3:37**
